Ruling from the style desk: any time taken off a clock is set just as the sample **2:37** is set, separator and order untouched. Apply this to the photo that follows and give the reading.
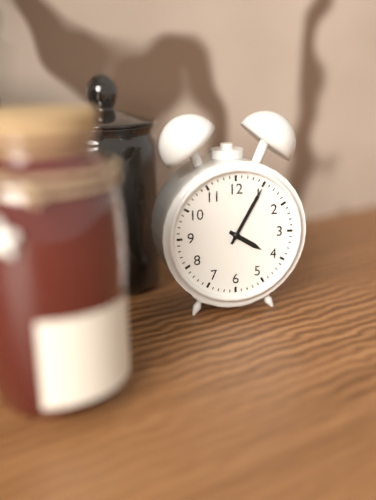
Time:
**4:05**
